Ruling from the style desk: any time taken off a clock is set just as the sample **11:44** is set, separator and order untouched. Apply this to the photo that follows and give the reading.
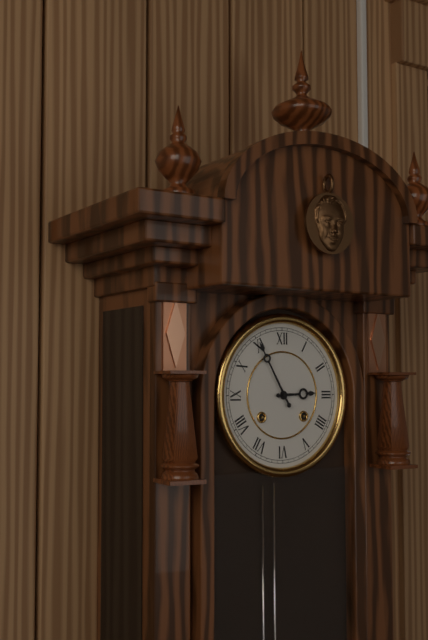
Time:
**2:55**
